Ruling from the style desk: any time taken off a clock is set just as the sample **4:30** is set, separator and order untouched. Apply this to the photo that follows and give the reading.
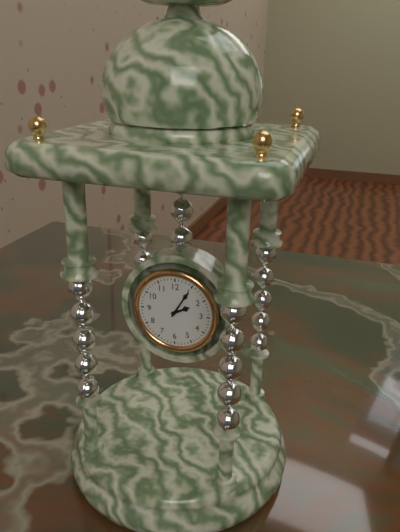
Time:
**2:05**
